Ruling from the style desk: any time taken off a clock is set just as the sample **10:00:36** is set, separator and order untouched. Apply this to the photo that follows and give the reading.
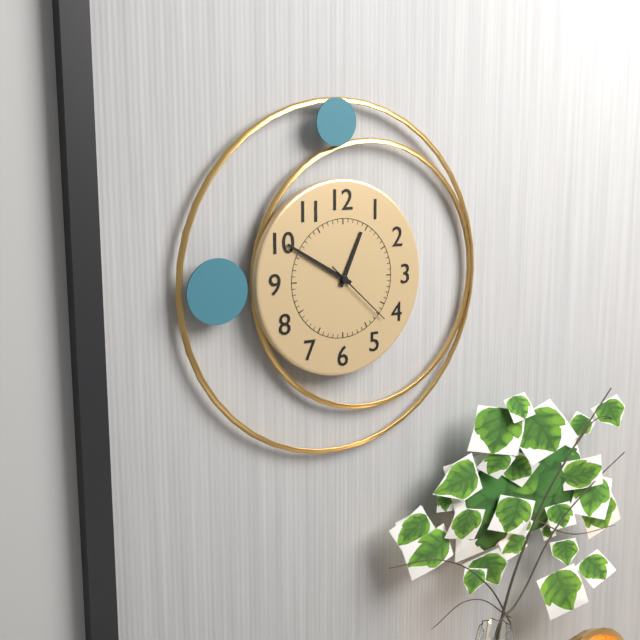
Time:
**12:50:22**
